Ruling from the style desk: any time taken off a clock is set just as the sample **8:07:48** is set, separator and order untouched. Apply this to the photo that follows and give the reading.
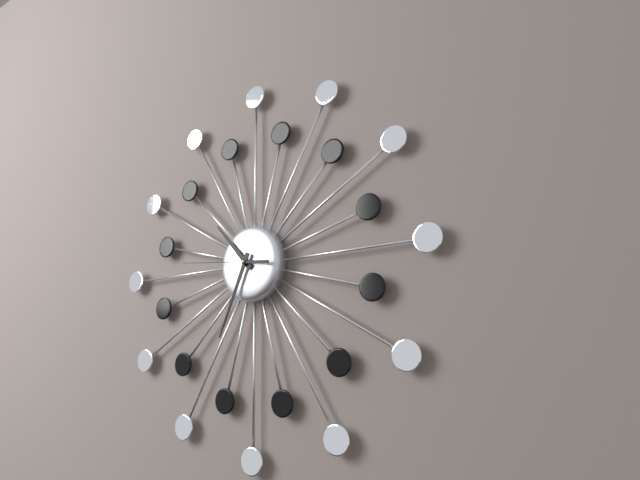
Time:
**10:34:46**
